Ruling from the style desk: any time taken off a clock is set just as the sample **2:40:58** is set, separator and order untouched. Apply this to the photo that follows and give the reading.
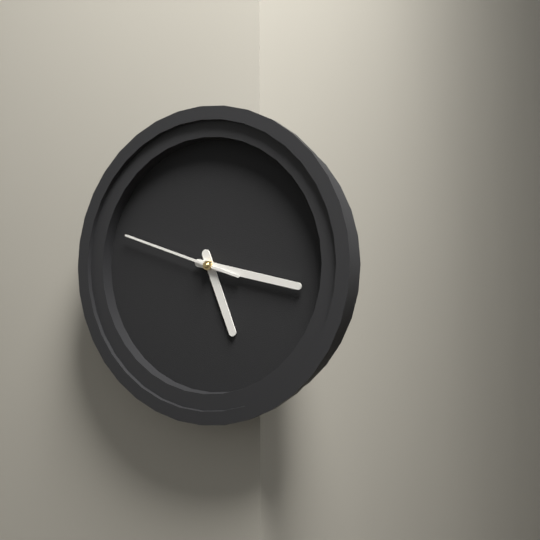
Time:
**5:17:48**
